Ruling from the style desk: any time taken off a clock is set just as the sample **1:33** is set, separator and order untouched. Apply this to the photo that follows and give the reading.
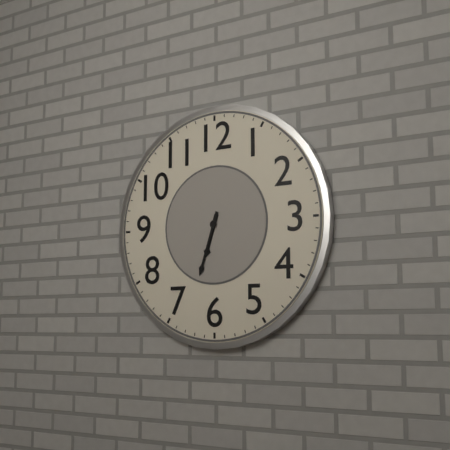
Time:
**6:33**
